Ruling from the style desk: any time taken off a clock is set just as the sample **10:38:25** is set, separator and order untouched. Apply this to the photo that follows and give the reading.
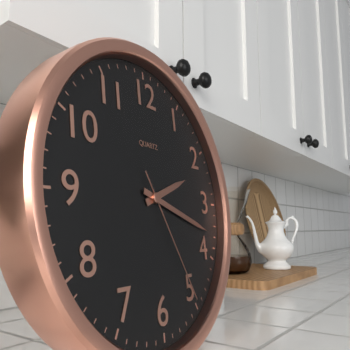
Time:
**2:18:25**
